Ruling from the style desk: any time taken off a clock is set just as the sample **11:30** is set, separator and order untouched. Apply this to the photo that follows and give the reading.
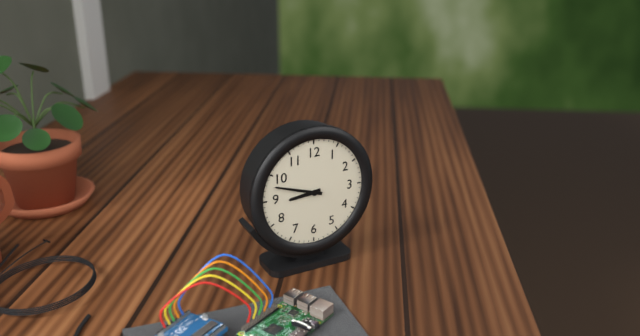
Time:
**8:48**
